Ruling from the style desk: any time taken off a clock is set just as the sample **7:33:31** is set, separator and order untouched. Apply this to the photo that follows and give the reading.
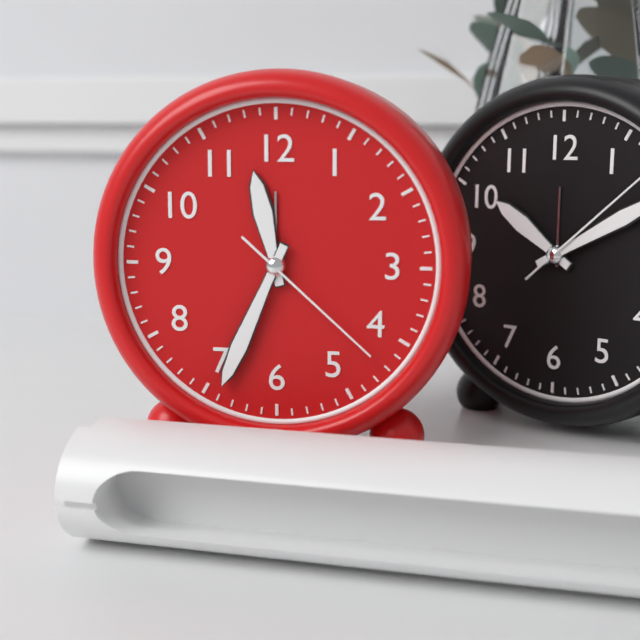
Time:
**11:34:22**
